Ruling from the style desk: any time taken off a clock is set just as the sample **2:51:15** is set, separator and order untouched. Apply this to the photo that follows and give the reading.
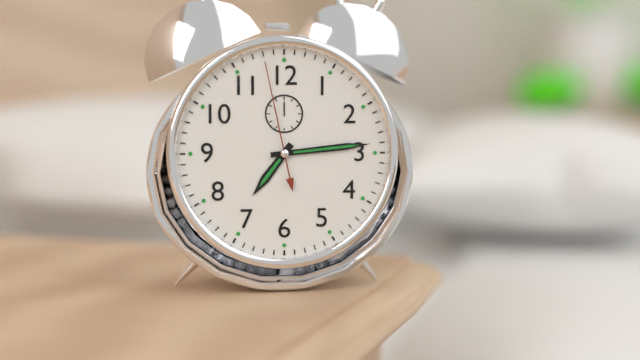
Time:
**7:14:58**
